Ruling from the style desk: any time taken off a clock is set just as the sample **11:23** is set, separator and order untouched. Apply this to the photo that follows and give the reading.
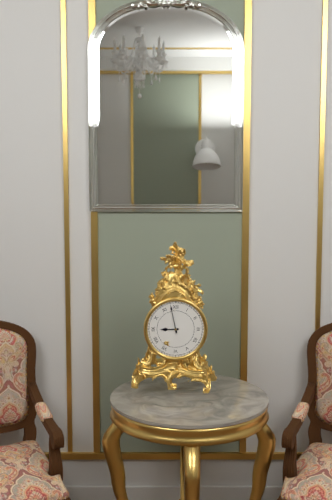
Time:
**8:58**
